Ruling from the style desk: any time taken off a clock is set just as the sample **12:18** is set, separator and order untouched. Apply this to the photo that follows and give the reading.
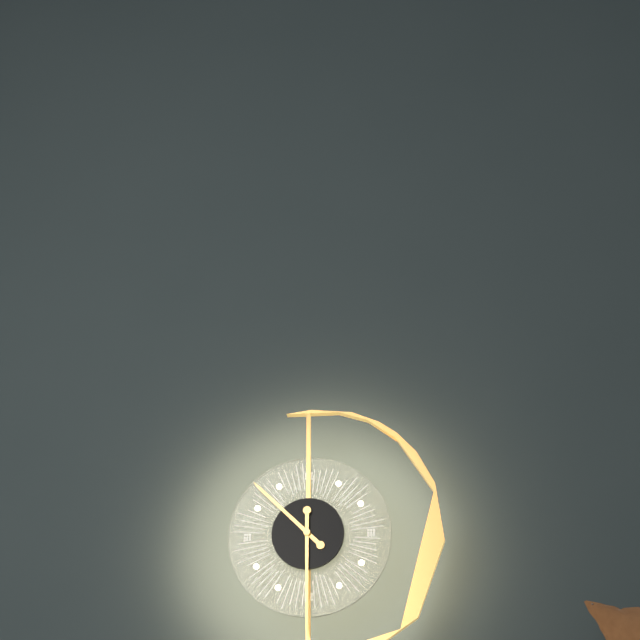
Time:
**10:30**
